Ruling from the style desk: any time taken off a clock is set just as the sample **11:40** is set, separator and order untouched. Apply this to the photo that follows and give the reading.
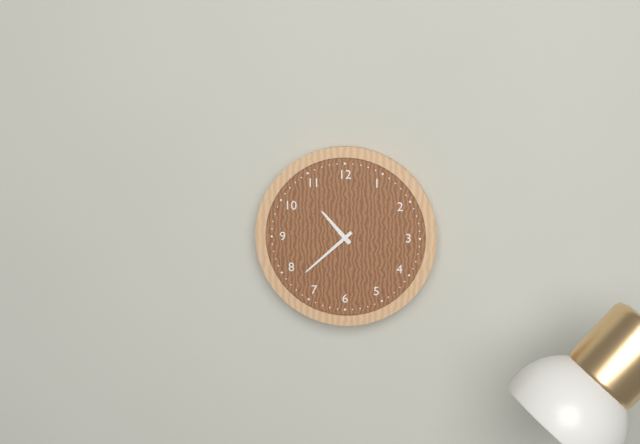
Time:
**10:38**
